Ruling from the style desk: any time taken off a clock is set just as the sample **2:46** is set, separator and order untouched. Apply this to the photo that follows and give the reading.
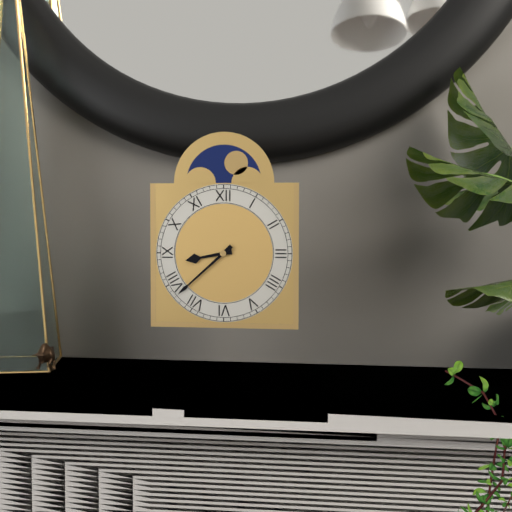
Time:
**8:38**
